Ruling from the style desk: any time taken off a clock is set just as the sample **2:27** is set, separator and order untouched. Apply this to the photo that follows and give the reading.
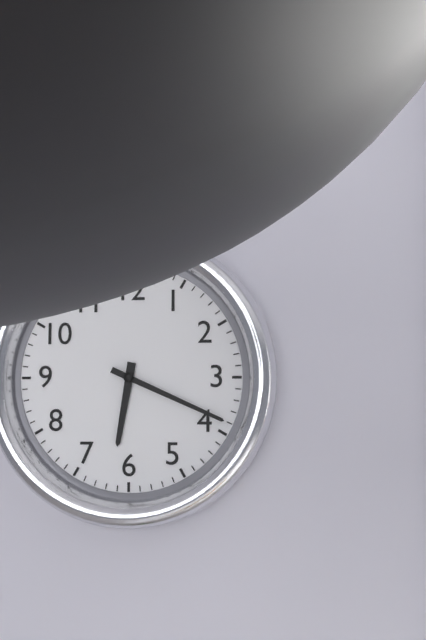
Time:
**6:19**
